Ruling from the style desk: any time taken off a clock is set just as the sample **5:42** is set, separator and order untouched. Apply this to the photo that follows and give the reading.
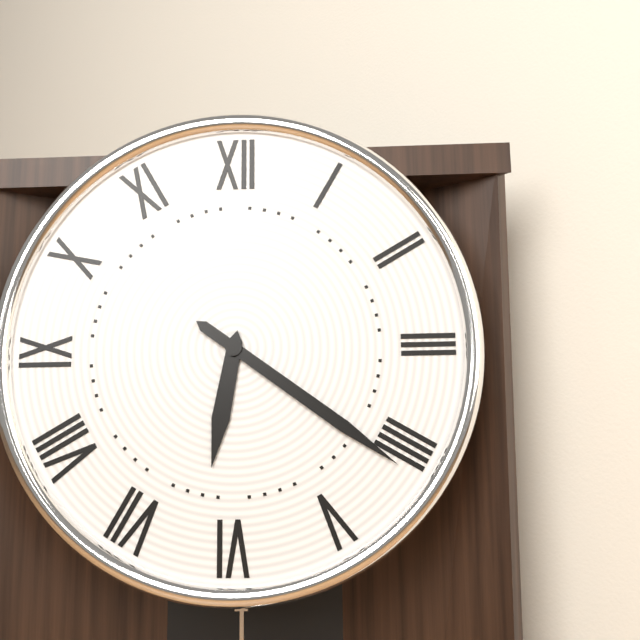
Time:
**6:21**
